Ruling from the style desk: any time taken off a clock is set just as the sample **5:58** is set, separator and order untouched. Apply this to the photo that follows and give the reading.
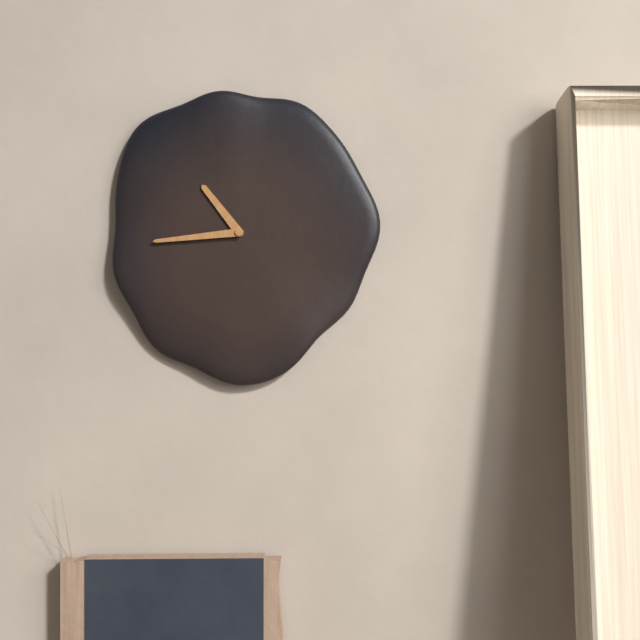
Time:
**10:44**
